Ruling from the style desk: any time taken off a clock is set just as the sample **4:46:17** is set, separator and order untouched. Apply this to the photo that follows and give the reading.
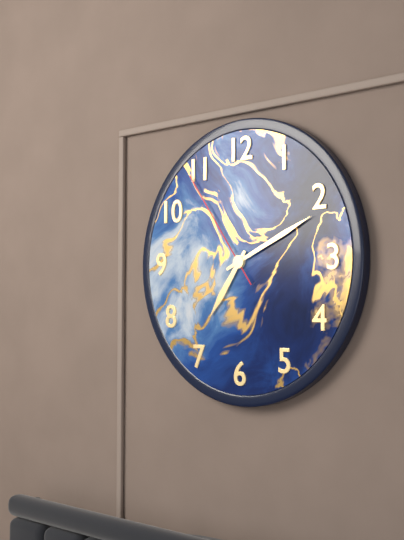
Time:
**7:11:54**
